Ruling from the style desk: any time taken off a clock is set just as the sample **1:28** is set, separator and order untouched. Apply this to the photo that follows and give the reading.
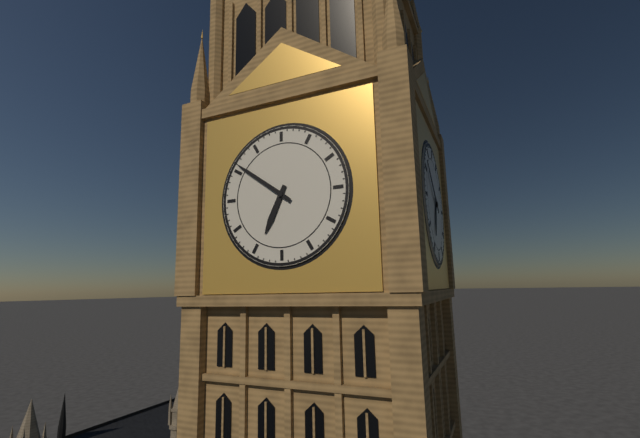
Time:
**6:51**
